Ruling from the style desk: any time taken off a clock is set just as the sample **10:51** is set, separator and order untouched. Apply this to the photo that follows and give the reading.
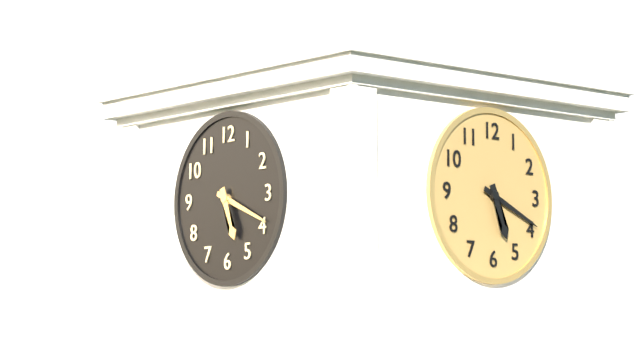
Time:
**5:19**
